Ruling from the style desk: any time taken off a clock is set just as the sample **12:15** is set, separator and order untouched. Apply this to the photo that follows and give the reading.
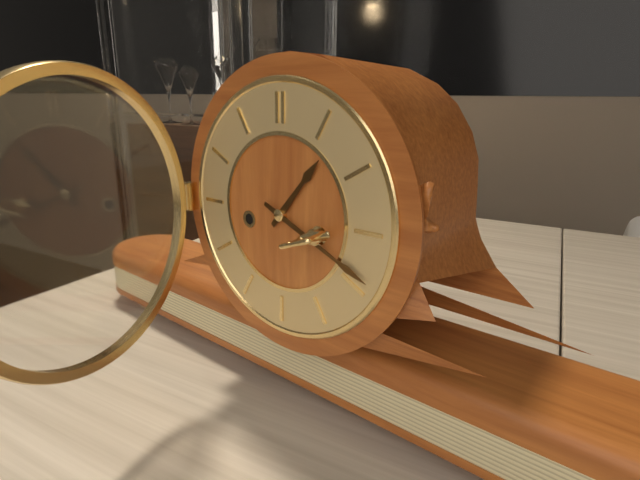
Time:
**1:19**
